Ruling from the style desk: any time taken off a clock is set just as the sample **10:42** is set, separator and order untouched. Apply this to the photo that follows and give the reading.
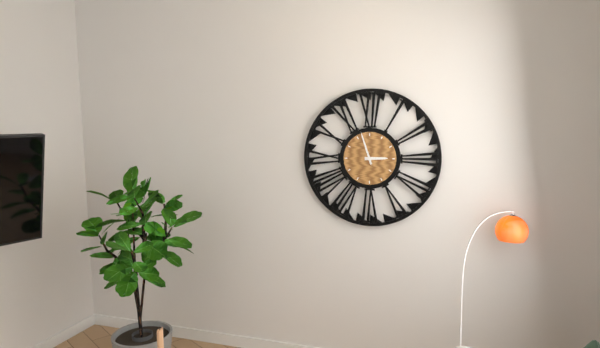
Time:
**2:57**
